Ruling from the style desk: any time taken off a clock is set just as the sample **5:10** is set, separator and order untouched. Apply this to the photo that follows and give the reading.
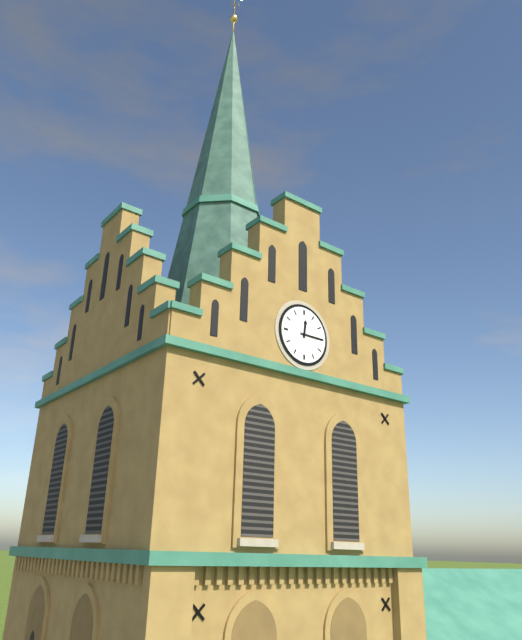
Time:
**12:15**
